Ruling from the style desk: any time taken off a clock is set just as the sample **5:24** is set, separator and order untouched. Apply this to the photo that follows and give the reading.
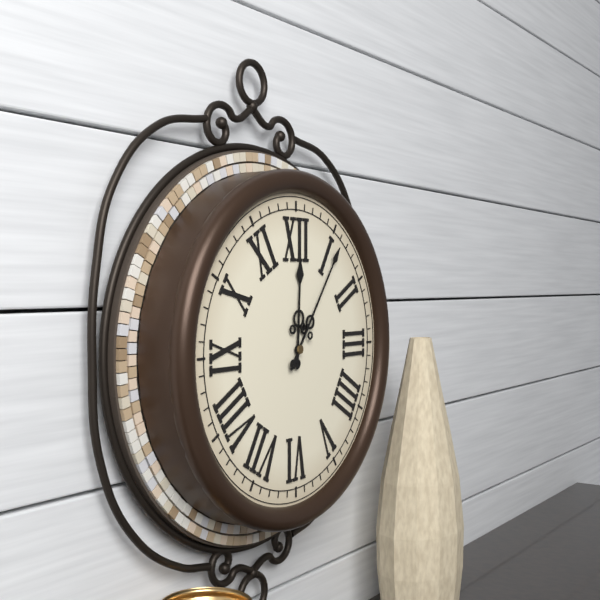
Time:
**12:06**
